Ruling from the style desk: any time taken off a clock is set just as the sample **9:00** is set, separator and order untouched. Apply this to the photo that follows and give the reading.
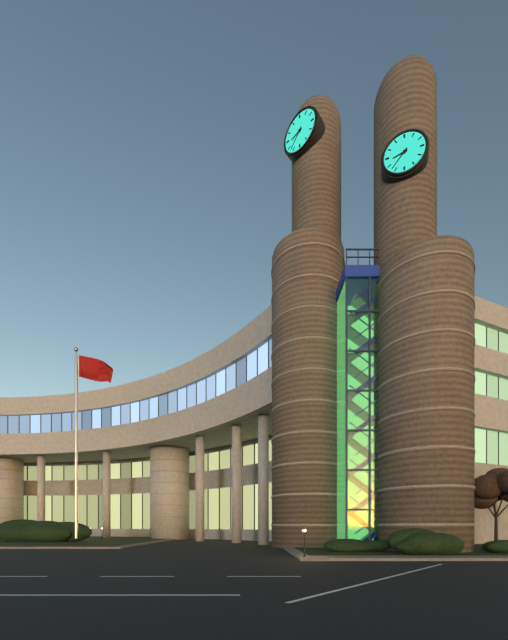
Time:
**8:37**
